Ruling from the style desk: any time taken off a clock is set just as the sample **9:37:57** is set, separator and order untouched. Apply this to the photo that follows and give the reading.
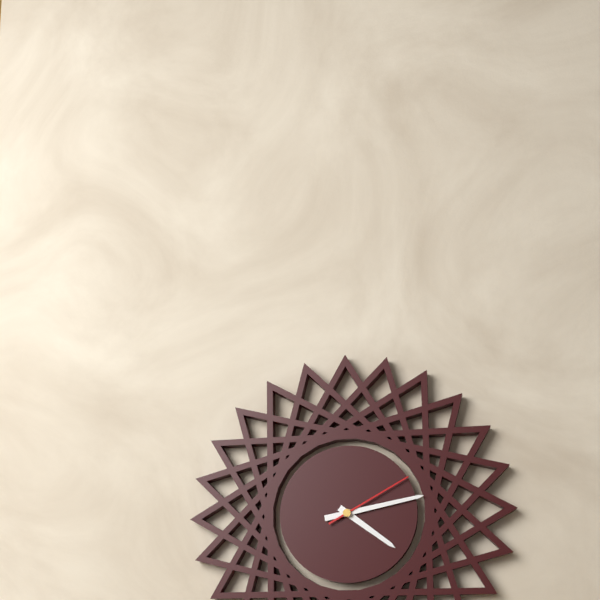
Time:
**4:13:10**
